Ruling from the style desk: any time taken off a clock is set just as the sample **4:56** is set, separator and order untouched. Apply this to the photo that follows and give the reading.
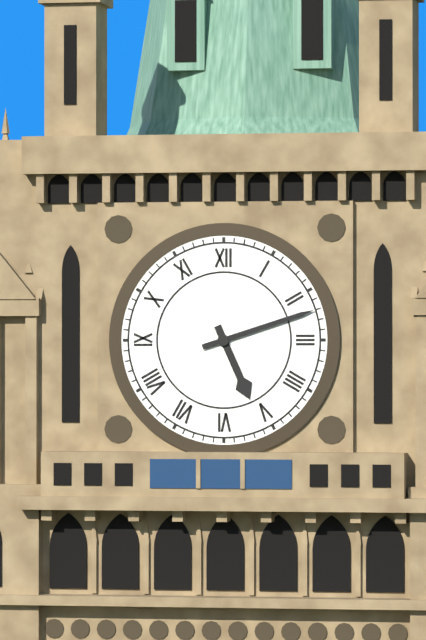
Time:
**5:12**
